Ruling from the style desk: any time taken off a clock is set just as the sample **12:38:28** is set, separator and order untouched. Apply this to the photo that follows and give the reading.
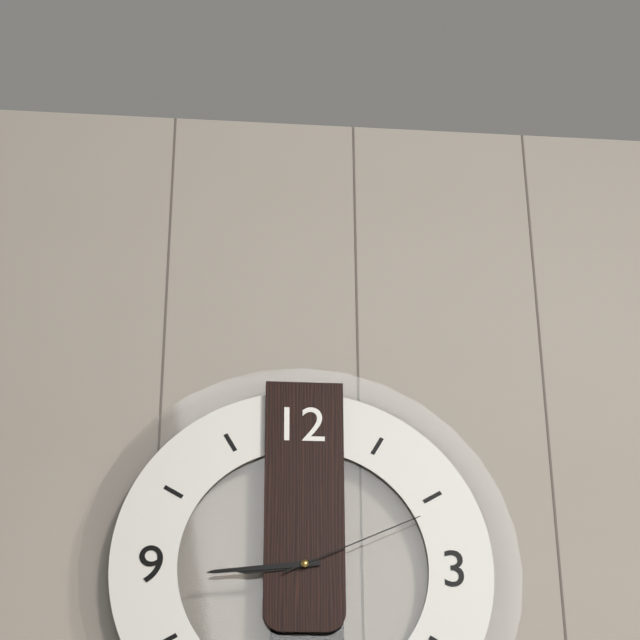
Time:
**8:44:11**
